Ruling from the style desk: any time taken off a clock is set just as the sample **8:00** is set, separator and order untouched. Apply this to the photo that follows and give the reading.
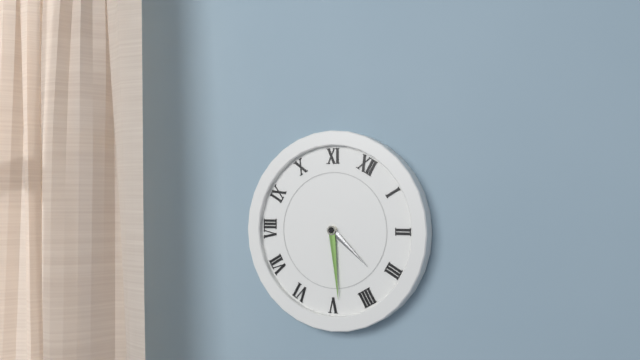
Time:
**3:24**
